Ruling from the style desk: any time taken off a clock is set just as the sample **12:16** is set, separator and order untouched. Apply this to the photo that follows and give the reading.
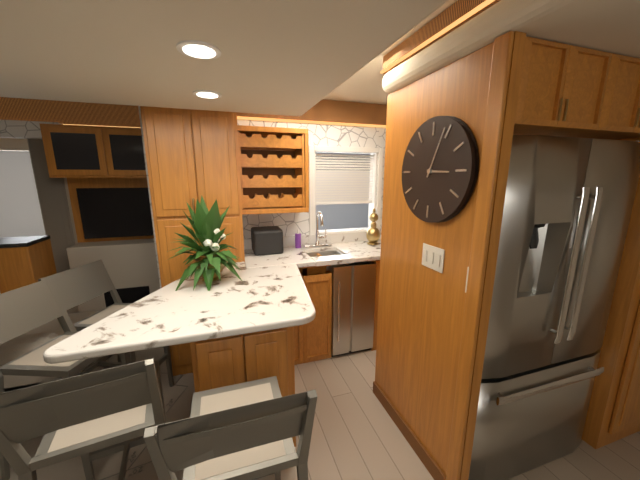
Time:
**3:04**
